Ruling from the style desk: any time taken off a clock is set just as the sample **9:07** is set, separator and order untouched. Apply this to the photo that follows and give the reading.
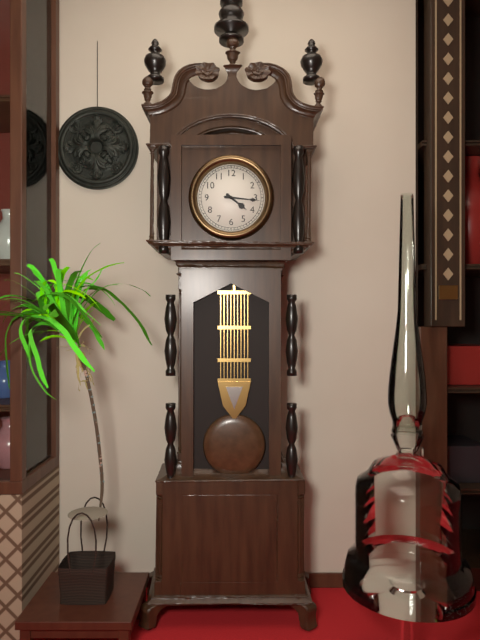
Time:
**4:16**
